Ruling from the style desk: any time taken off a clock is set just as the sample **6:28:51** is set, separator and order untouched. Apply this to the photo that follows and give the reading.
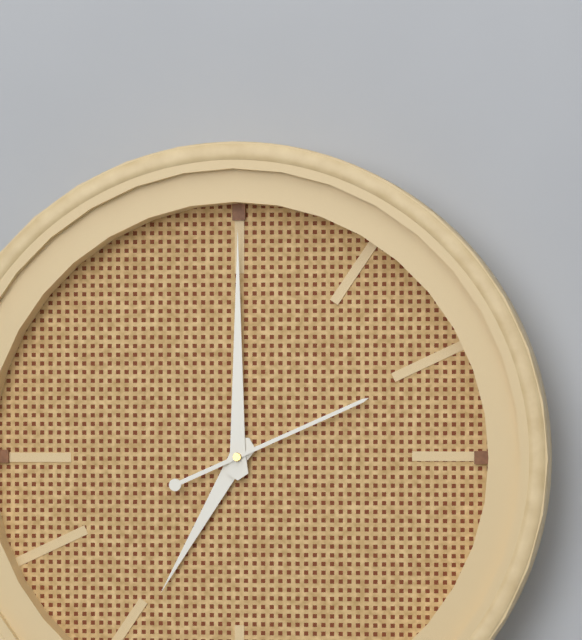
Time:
**7:00:11**
